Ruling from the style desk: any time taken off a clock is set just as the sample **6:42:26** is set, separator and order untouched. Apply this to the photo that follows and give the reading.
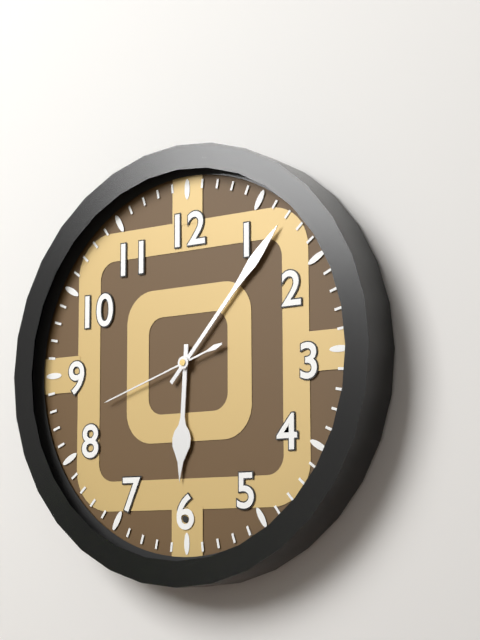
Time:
**6:07:42**
